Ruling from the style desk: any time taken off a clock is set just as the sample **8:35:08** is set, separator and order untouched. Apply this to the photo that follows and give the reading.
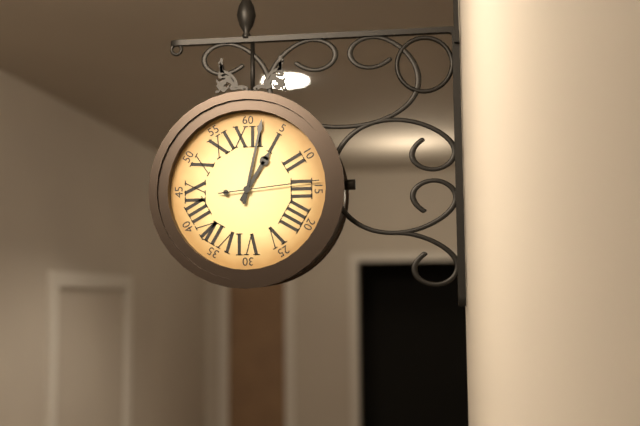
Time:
**1:02:14**
